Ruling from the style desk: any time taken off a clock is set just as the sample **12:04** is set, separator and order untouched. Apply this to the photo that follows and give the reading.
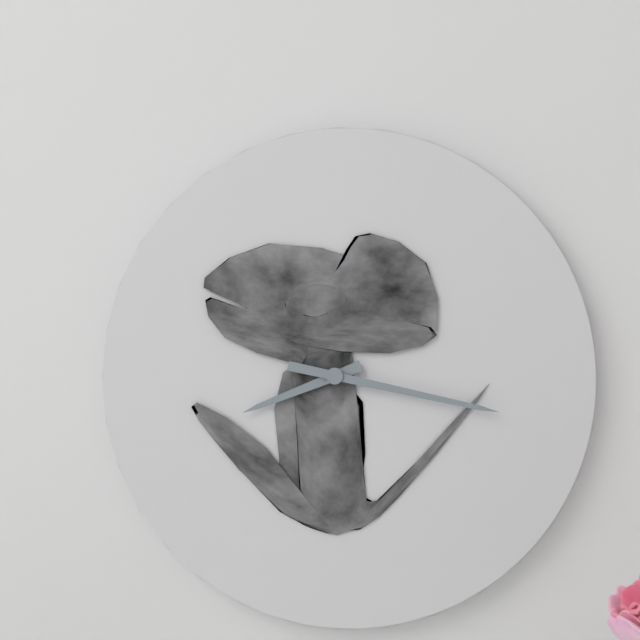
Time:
**8:17**
